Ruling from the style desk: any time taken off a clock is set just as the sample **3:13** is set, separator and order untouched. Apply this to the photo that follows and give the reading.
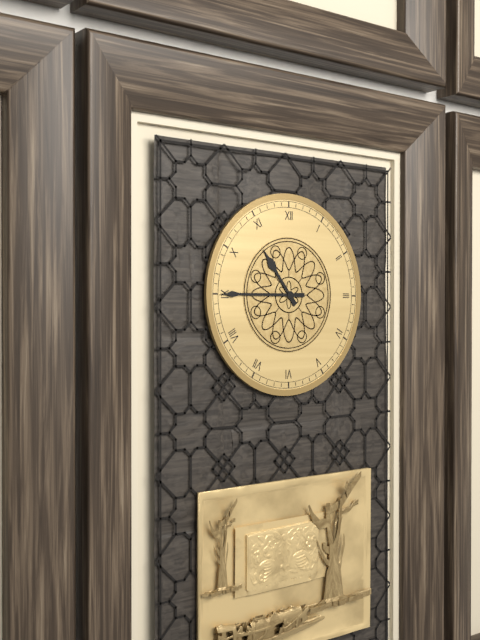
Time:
**10:45**
